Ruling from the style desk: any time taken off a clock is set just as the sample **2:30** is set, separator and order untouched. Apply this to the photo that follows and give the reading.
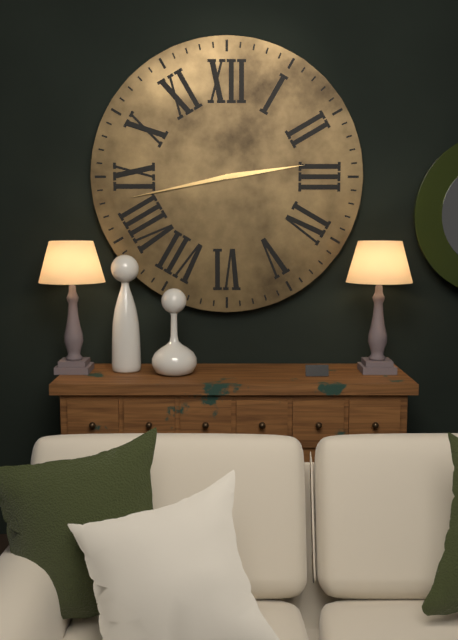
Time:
**2:43**
